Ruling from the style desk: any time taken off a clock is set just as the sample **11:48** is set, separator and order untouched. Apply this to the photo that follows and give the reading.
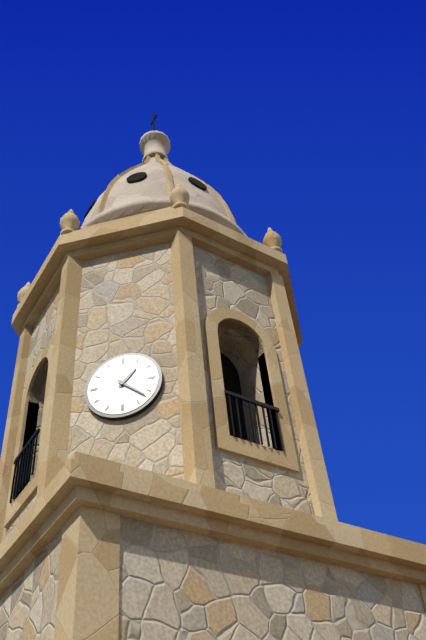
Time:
**1:22**
